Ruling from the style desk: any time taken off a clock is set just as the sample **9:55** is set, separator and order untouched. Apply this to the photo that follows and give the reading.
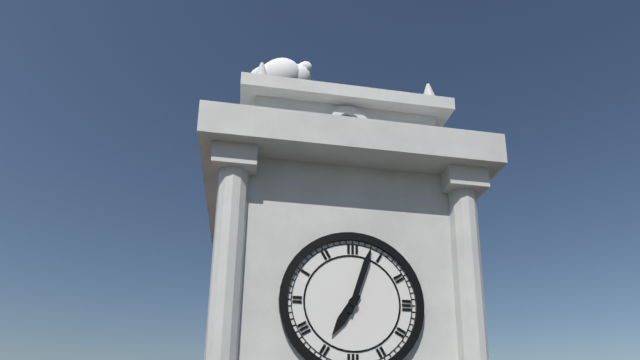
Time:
**7:03**
